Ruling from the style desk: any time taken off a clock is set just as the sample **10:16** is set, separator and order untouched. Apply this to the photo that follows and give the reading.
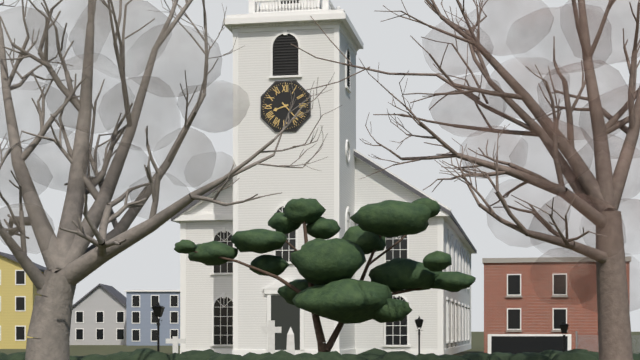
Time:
**8:23**
